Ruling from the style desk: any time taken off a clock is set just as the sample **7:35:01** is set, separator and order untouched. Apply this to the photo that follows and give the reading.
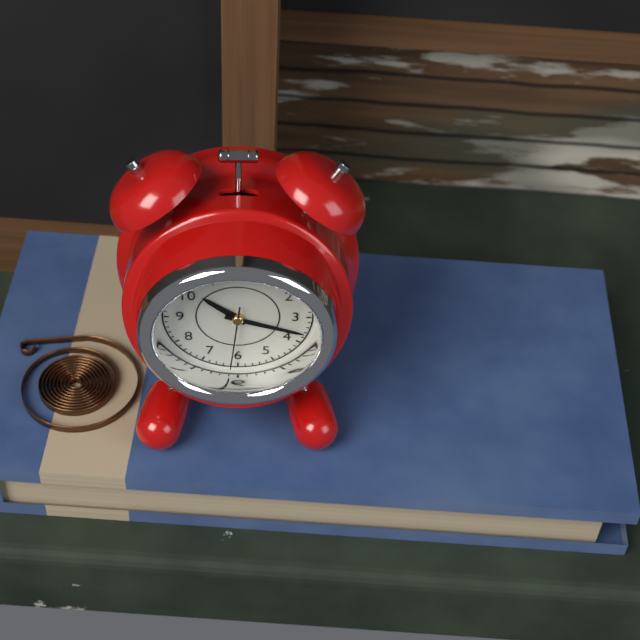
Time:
**10:18:31**
